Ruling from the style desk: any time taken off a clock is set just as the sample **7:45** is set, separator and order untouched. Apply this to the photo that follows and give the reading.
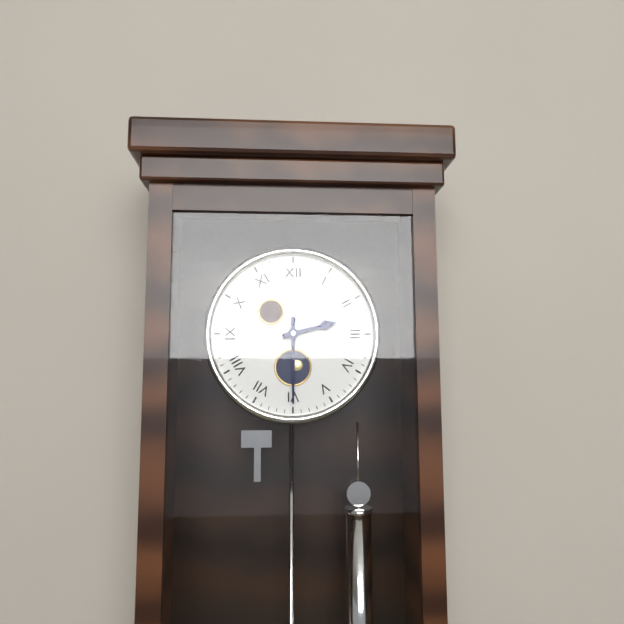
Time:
**2:30**
